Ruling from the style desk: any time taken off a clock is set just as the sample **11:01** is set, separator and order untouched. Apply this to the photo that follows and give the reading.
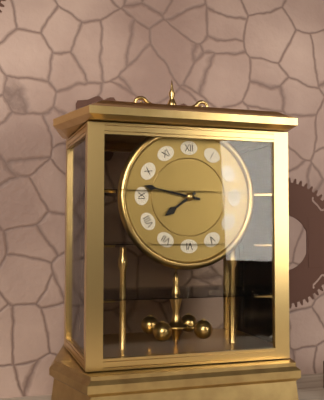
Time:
**7:47**
